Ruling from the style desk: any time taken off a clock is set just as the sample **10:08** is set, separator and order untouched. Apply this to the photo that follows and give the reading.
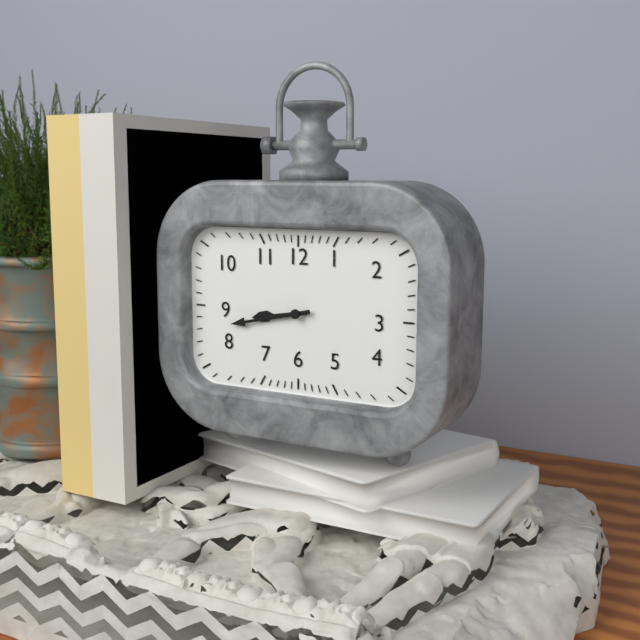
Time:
**8:43**
